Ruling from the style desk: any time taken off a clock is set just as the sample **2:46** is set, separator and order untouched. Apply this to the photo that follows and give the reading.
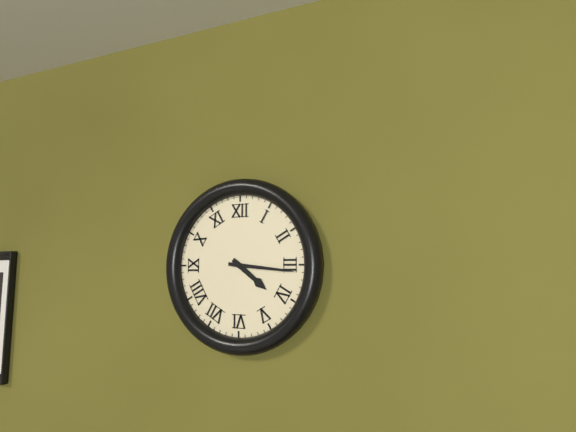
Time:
**4:16**
